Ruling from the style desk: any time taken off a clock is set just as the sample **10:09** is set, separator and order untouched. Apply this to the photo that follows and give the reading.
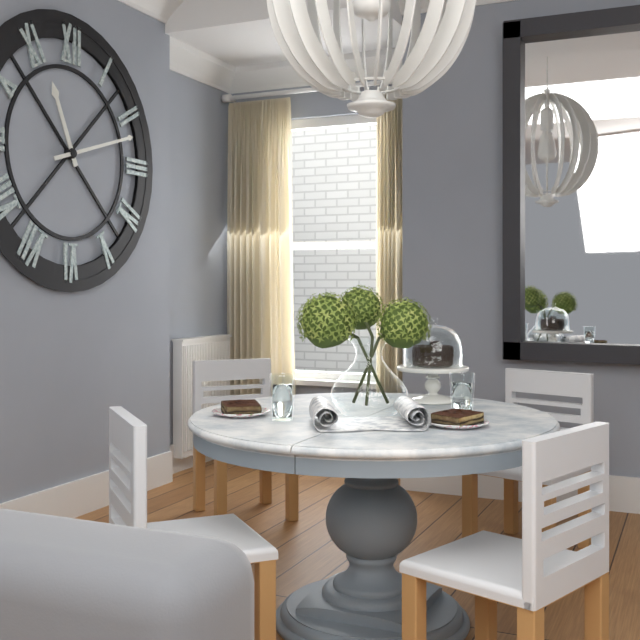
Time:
**11:12**
